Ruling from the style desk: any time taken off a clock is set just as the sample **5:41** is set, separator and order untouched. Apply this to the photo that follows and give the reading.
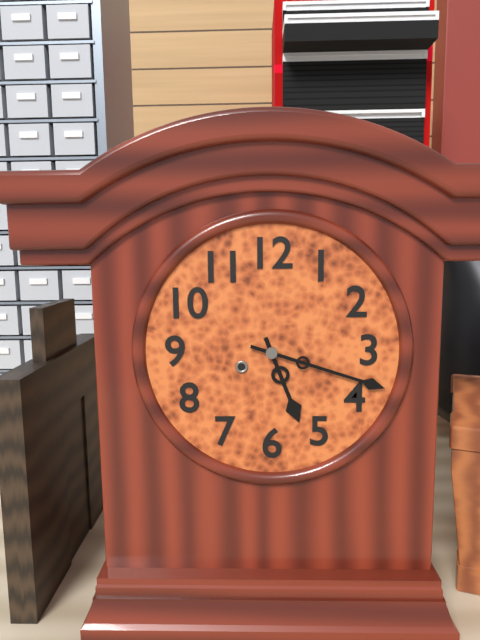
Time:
**5:18**
